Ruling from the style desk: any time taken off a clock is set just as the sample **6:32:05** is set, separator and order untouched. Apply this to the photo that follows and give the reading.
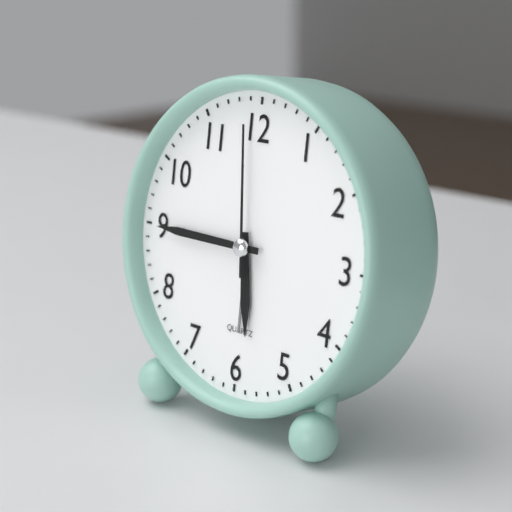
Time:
**5:45:59**
